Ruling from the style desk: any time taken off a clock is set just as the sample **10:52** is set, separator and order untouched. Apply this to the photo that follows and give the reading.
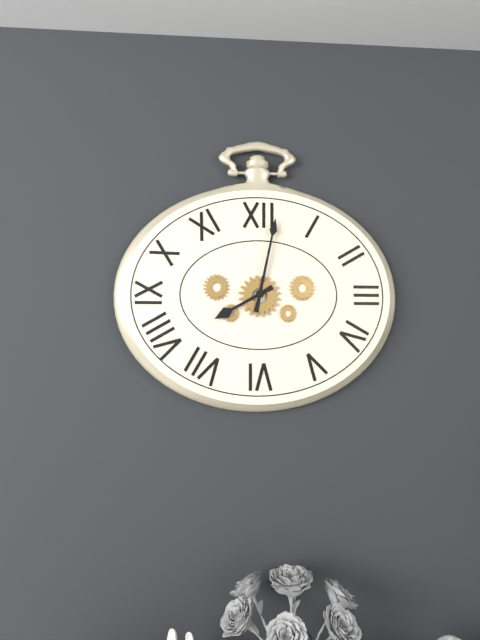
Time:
**8:02**
